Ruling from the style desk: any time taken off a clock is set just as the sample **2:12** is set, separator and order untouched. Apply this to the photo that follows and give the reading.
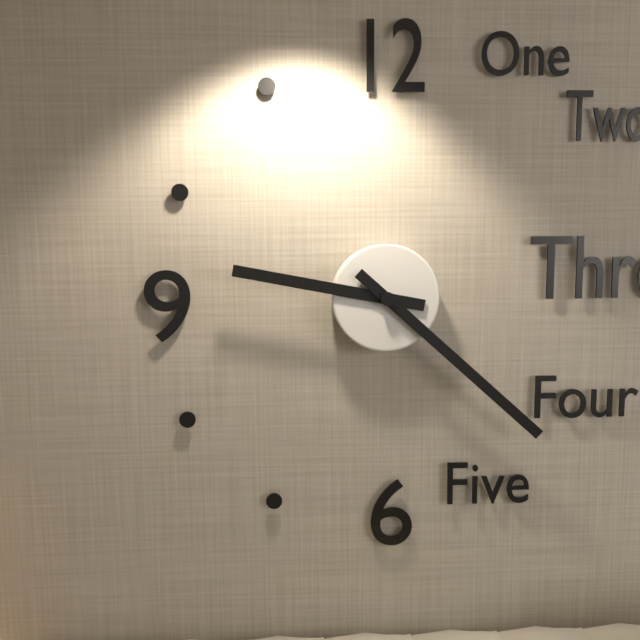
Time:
**9:22**
